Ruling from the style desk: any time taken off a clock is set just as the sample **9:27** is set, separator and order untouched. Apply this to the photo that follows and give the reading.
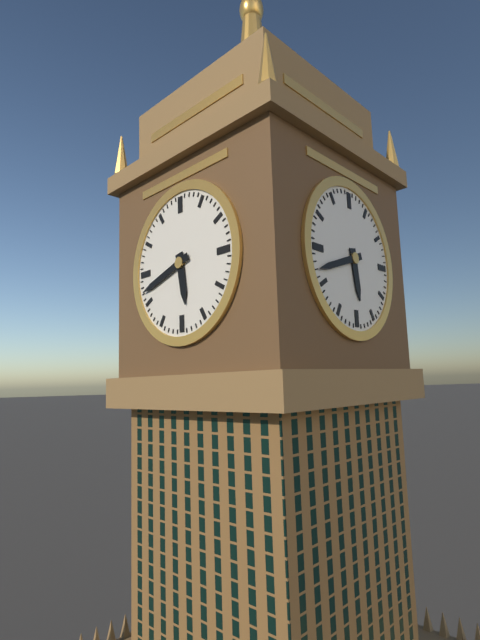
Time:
**5:42**
